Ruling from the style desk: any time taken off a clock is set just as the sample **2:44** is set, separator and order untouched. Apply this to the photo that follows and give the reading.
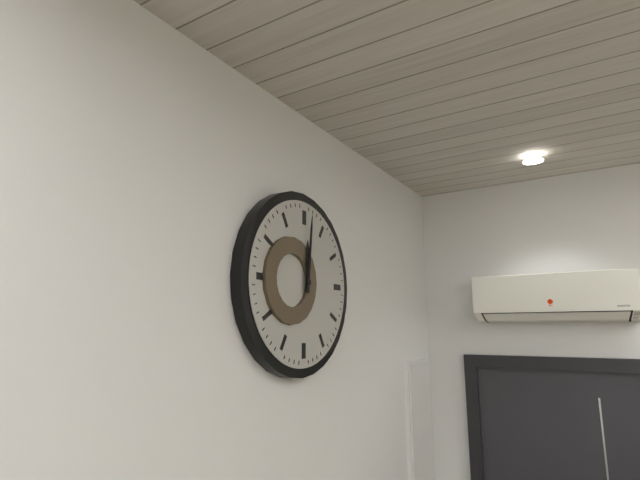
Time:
**12:01**
